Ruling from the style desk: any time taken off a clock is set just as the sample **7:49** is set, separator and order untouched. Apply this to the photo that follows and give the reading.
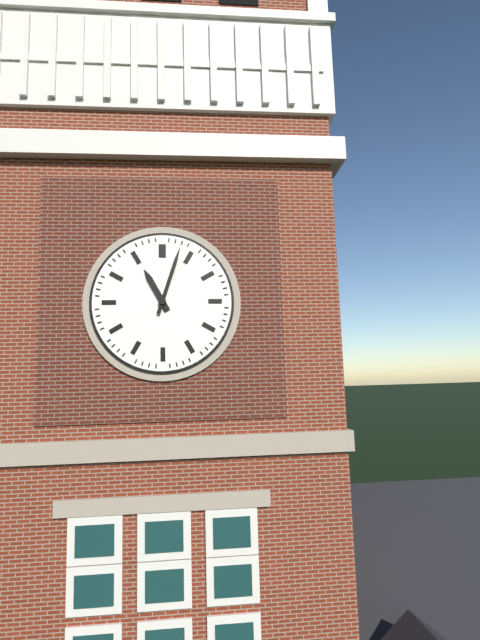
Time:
**11:03**
